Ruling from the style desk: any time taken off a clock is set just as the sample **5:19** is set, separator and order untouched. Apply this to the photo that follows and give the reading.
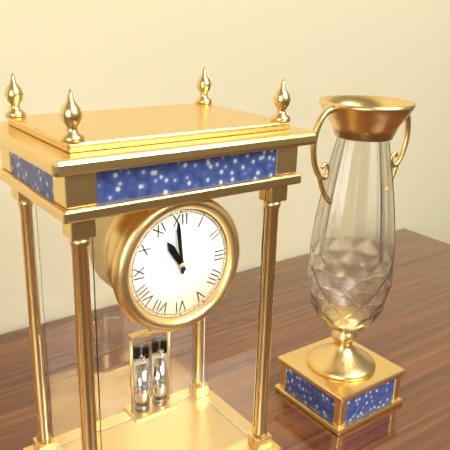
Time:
**10:59**
